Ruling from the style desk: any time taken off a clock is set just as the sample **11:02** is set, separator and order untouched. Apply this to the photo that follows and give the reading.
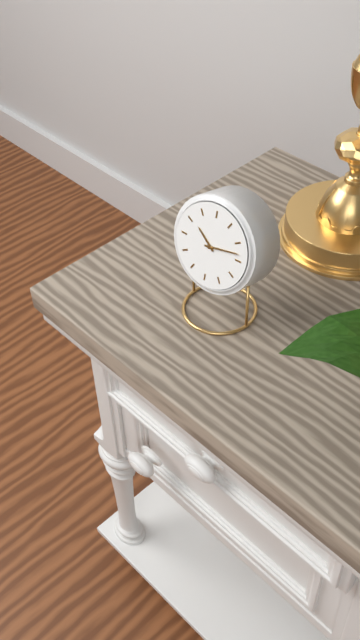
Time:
**10:13**
